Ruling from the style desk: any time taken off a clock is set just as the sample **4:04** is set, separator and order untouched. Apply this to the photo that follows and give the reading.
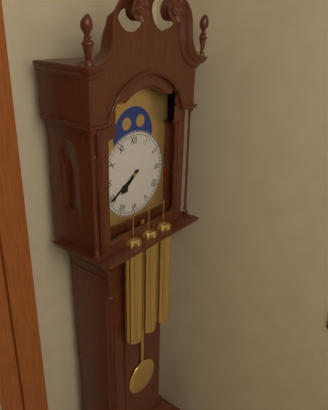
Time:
**7:40**
